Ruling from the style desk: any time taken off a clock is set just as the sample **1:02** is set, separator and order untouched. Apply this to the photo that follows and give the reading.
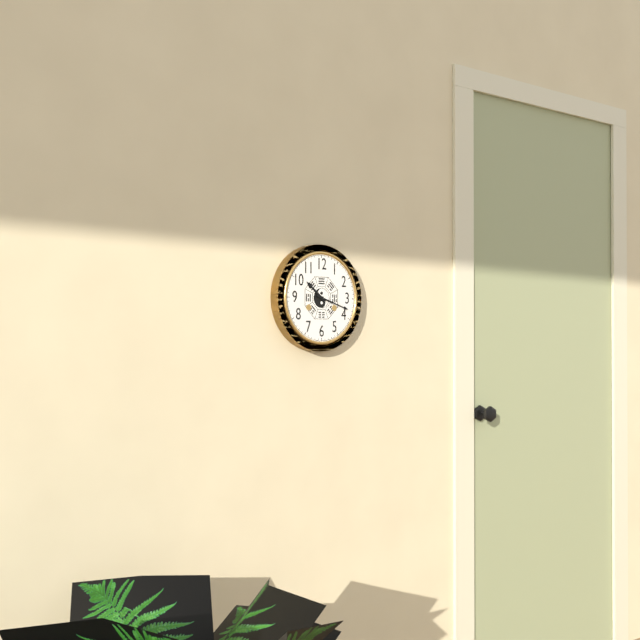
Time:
**10:18**
